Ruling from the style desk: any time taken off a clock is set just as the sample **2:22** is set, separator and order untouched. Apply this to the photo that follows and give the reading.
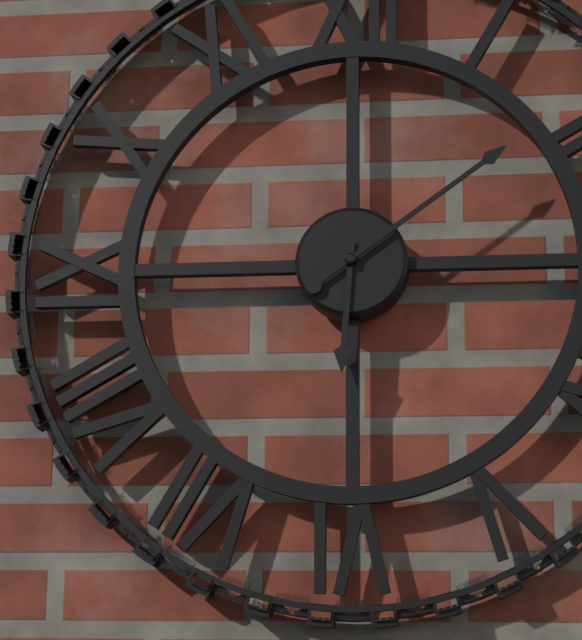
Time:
**6:09**
